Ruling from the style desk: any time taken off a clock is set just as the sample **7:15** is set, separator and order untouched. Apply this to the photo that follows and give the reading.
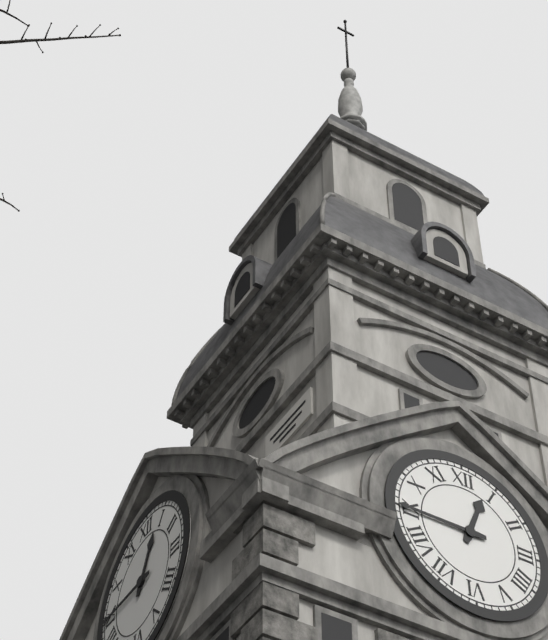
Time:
**12:45**
